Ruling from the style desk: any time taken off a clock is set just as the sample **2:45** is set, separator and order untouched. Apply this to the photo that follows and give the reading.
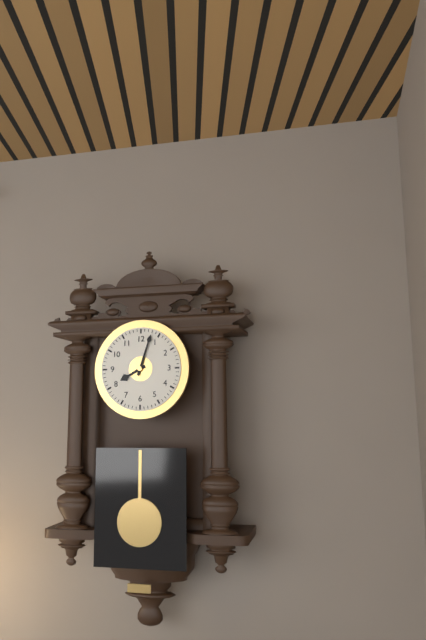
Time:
**8:03**
